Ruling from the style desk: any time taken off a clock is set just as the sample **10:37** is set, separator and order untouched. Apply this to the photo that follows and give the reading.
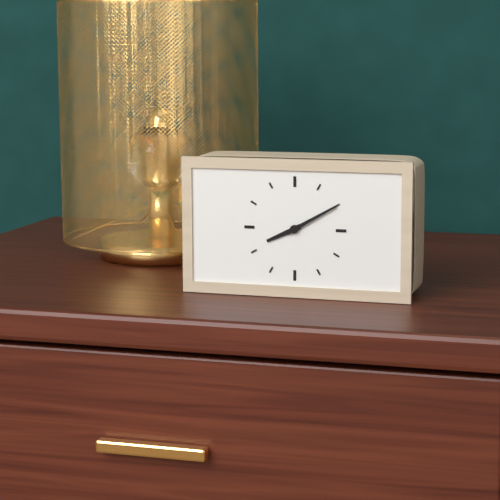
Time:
**8:10**
